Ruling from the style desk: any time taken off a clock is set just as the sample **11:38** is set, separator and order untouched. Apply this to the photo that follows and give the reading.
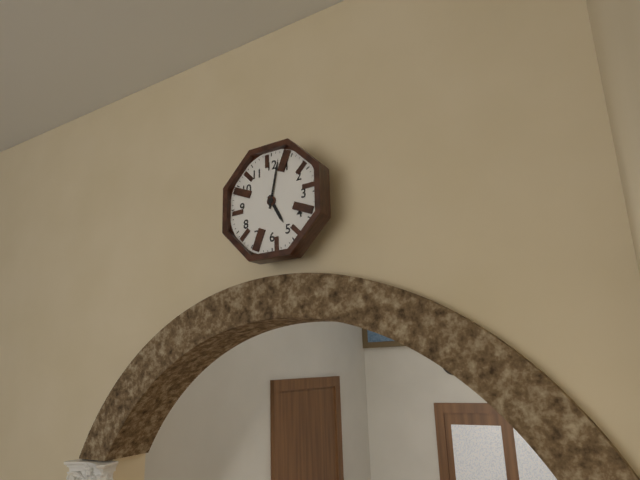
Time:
**5:02**
